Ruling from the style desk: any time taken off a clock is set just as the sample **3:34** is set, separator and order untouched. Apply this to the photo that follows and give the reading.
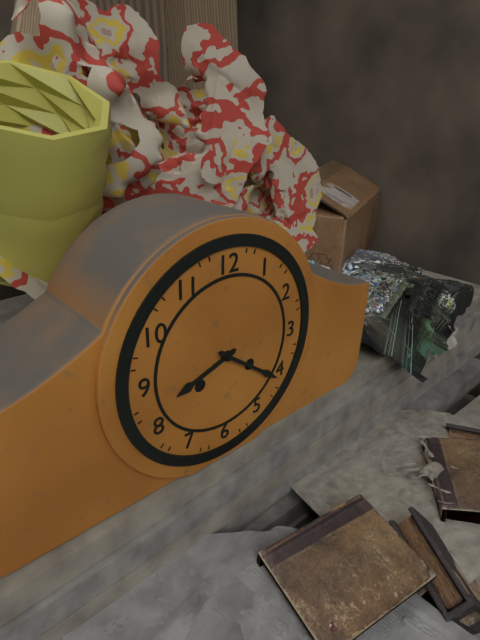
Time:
**8:21**
